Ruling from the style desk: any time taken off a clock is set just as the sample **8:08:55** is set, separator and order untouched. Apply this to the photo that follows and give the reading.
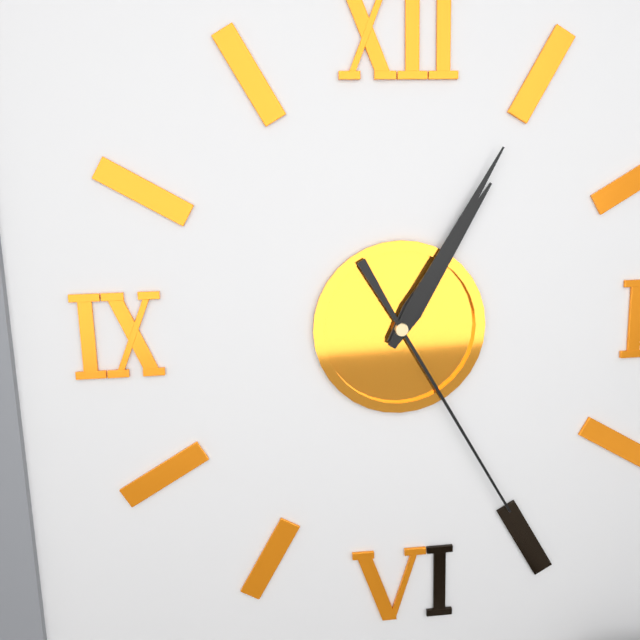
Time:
**1:05:25**
